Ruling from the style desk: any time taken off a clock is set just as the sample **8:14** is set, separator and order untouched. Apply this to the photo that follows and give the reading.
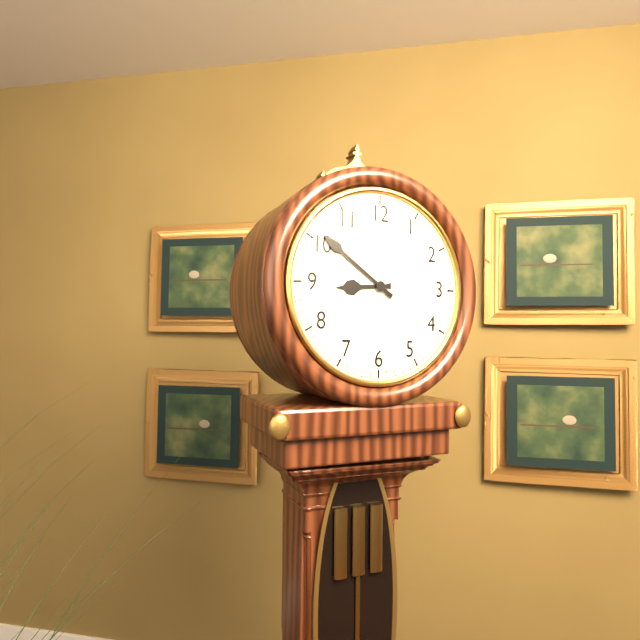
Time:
**8:51**
